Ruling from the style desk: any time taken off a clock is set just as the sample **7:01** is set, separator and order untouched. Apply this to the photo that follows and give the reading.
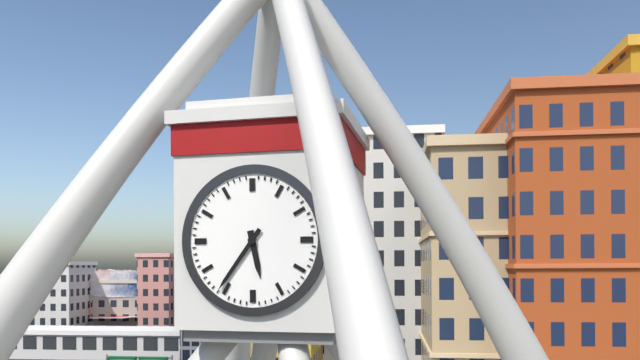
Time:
**5:36**
